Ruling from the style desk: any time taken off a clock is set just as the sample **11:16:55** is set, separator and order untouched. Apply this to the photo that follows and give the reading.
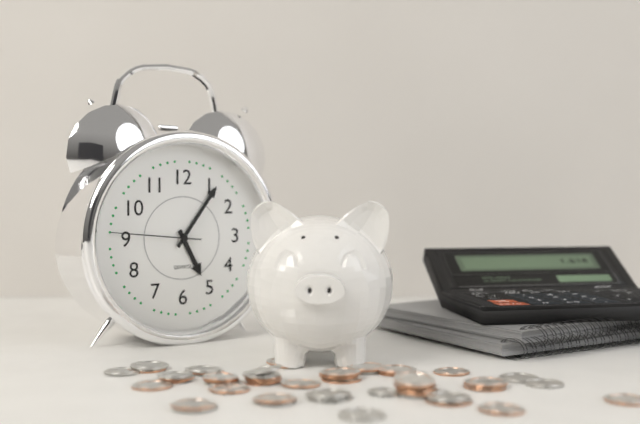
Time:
**5:06:46**
